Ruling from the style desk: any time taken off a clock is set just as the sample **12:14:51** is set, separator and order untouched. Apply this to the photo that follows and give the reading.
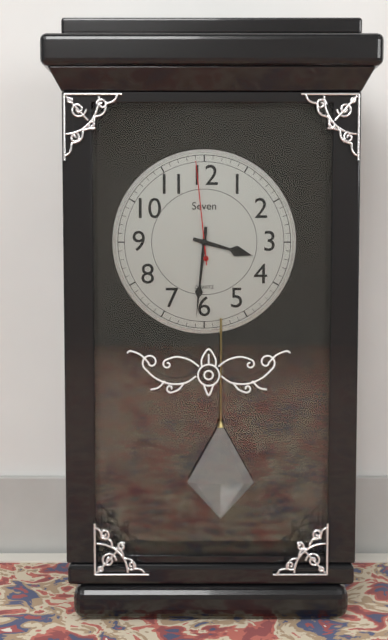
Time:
**3:31:59**
